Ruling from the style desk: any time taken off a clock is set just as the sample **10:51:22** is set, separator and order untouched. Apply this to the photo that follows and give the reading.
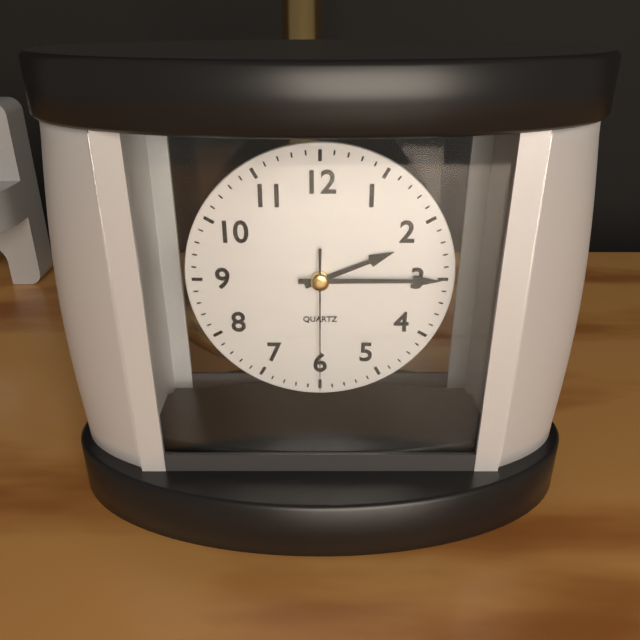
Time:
**2:15:30**
